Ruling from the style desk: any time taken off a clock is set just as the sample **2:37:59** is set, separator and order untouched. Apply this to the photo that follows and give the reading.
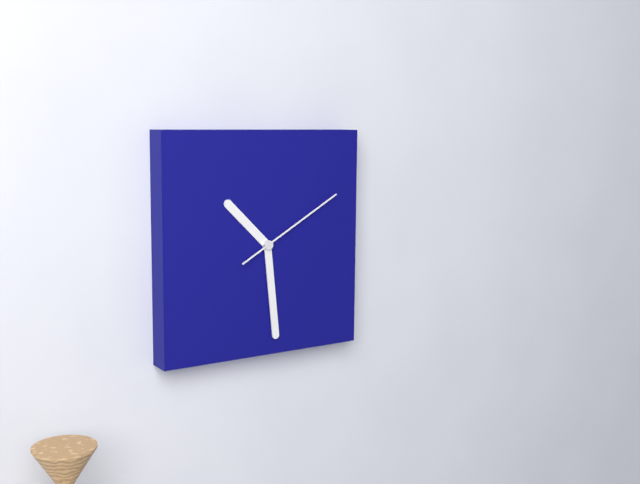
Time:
**10:29:10**
